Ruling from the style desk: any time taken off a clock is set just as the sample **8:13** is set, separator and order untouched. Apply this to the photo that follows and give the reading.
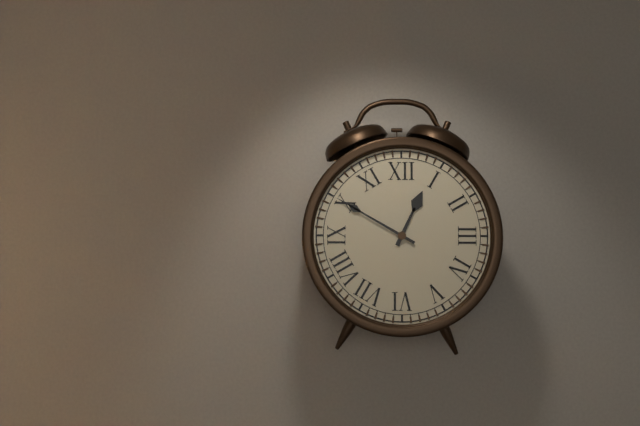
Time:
**12:50**
